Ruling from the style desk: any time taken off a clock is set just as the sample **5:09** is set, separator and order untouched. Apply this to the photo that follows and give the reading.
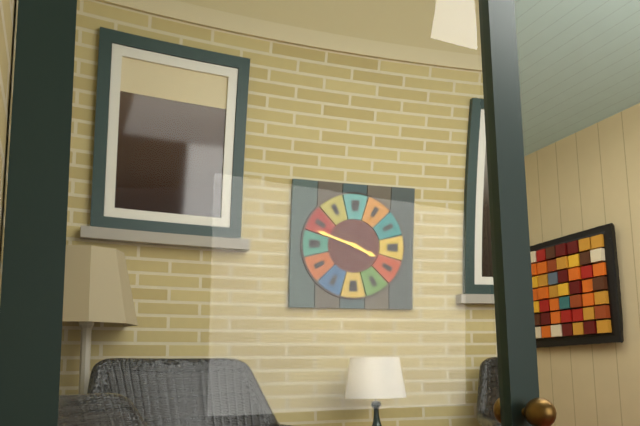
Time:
**3:48**
